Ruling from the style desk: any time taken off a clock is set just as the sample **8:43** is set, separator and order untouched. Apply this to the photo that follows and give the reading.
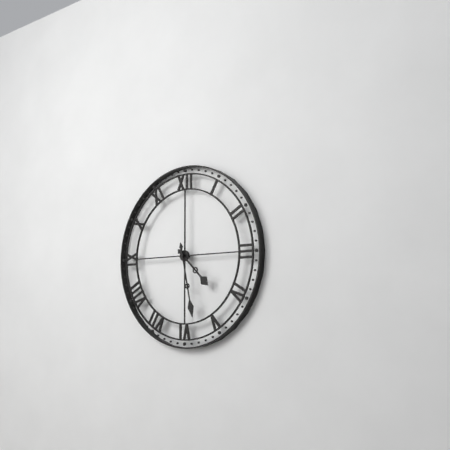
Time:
**4:28**
